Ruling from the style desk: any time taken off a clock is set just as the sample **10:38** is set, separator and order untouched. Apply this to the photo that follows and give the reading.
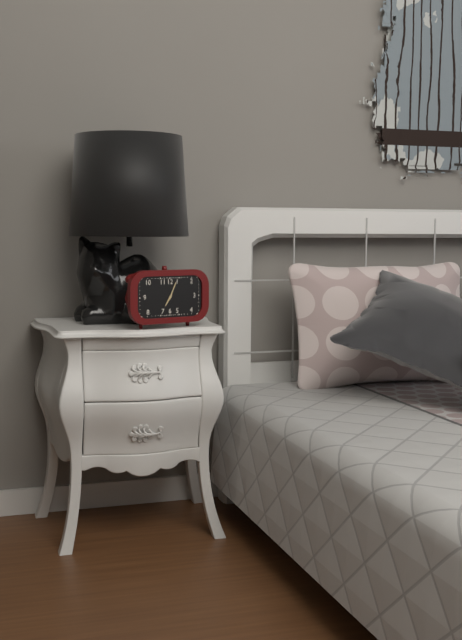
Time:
**7:04**
